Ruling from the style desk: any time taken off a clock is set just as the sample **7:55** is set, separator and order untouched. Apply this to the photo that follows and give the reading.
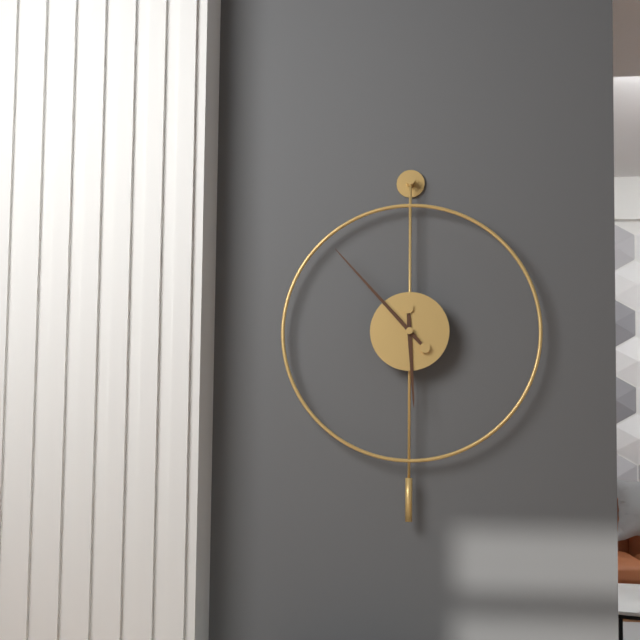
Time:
**5:53**
